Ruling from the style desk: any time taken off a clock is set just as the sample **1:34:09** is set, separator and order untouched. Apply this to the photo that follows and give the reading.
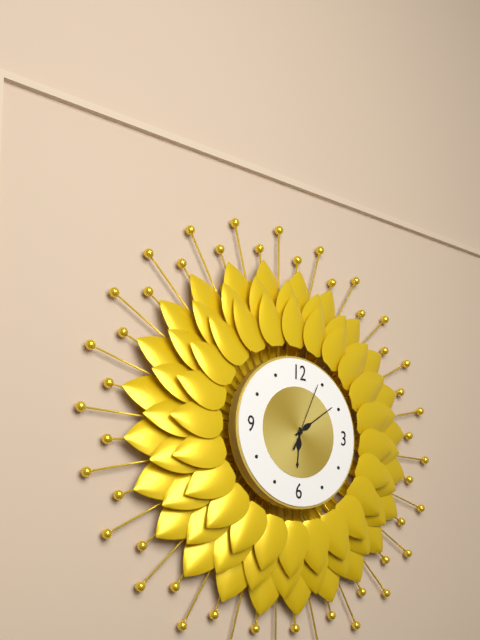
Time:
**6:09:04**
